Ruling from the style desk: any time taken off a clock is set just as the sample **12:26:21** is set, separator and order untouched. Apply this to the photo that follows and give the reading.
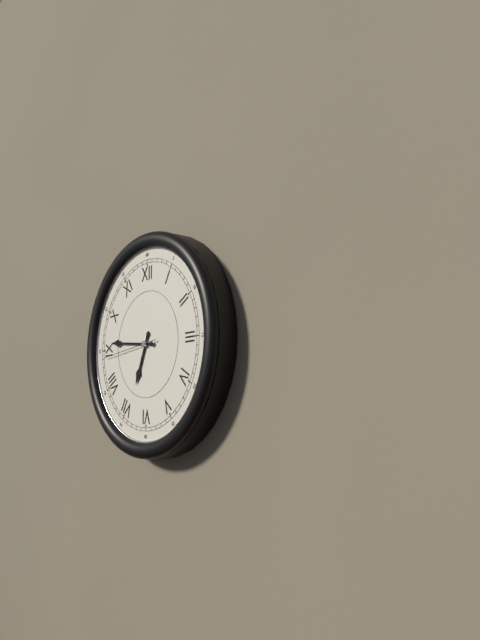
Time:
**6:46:44**
